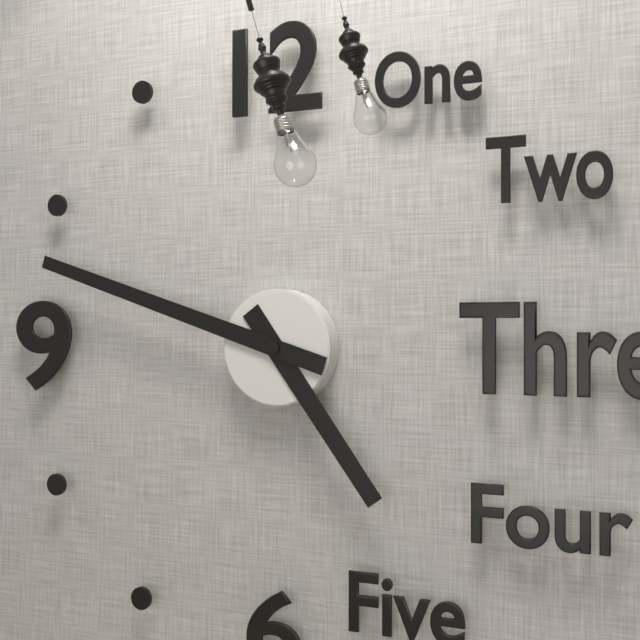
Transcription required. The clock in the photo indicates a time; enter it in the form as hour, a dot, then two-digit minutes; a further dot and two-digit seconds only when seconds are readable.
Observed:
4.48
